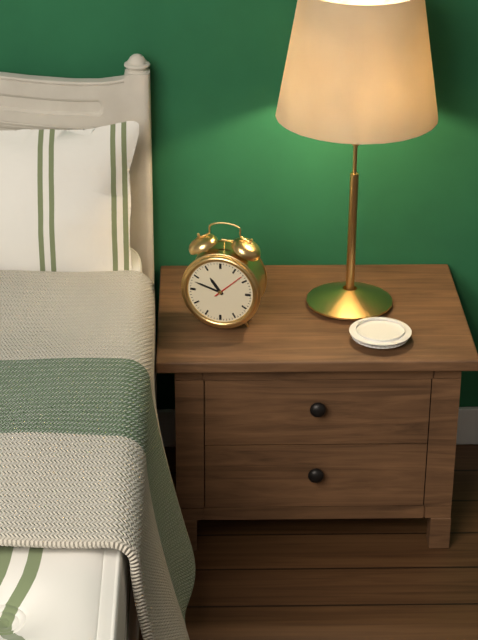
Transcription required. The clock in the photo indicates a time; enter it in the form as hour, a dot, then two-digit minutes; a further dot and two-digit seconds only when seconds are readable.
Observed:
10.48
